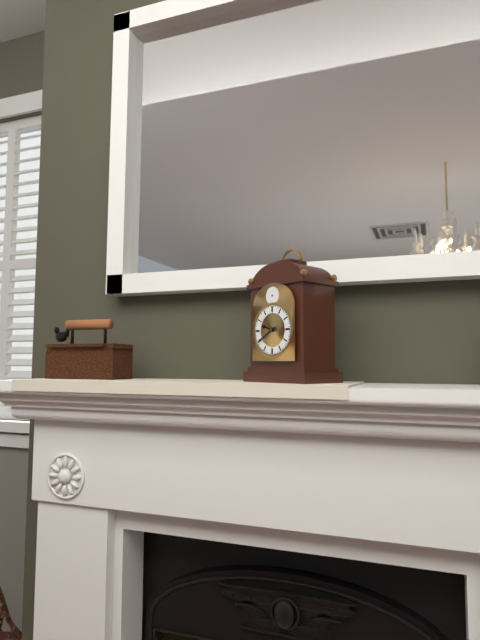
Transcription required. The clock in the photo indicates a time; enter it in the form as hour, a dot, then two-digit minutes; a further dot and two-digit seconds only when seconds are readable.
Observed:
9.40
